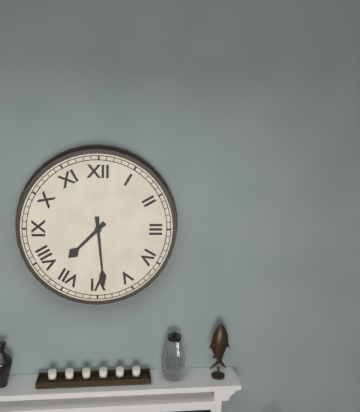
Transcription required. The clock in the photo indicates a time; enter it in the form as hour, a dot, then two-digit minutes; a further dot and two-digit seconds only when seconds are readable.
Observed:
7.29
